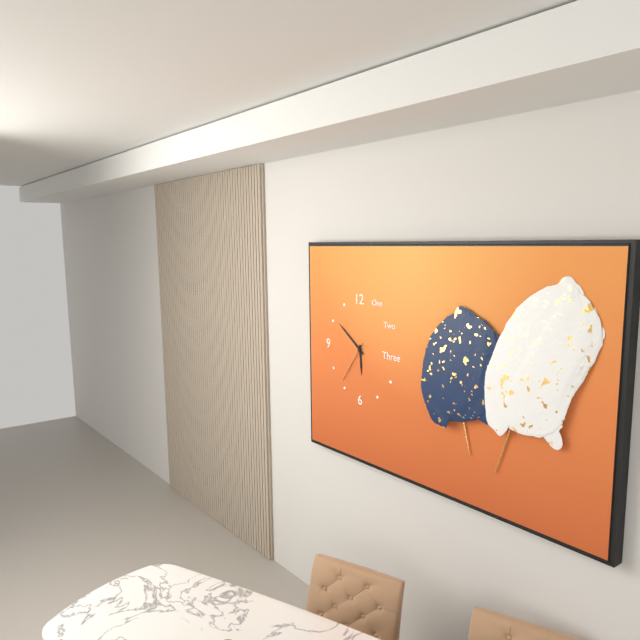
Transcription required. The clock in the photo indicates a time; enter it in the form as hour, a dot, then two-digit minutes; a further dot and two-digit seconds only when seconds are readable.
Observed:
5.51
